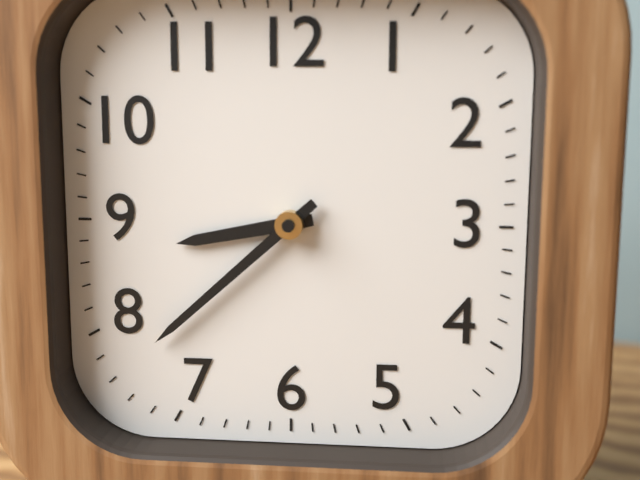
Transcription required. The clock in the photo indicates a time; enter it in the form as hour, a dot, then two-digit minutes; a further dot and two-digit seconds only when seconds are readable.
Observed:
8.38
